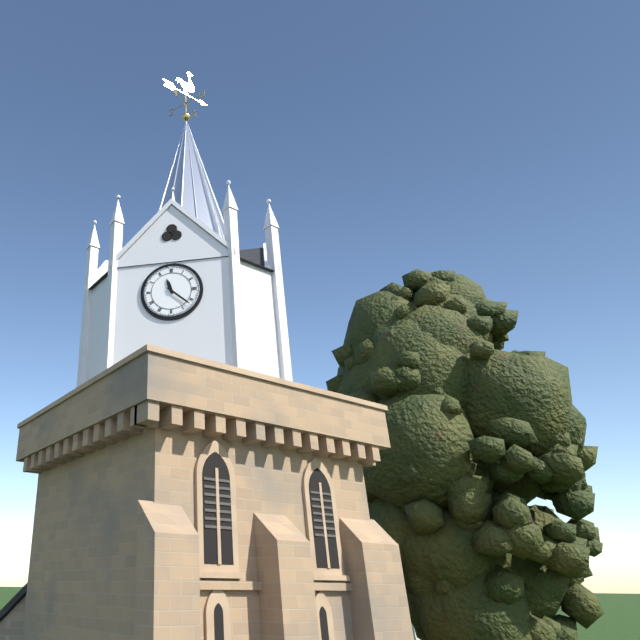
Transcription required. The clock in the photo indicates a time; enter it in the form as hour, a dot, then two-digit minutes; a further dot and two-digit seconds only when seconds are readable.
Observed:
11.22
